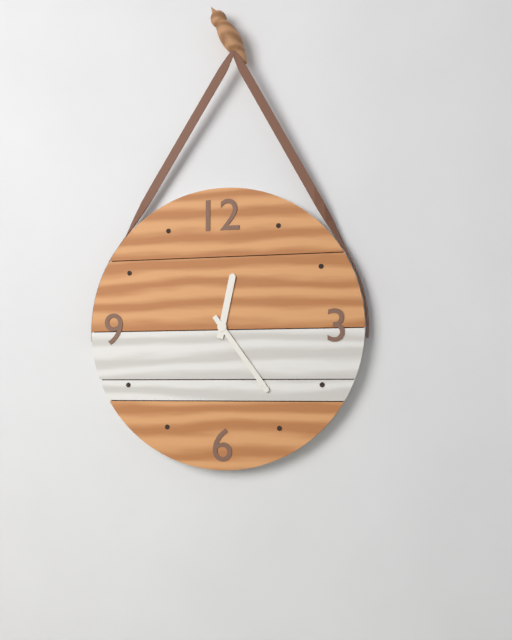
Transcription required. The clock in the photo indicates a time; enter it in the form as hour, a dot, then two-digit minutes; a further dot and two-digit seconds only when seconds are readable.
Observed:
12.24
